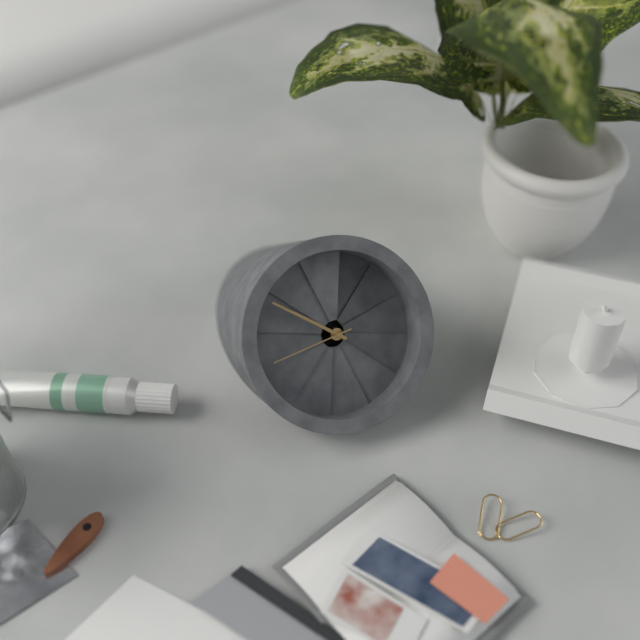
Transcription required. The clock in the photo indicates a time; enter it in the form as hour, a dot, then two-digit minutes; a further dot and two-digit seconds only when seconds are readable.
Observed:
9.49.41
